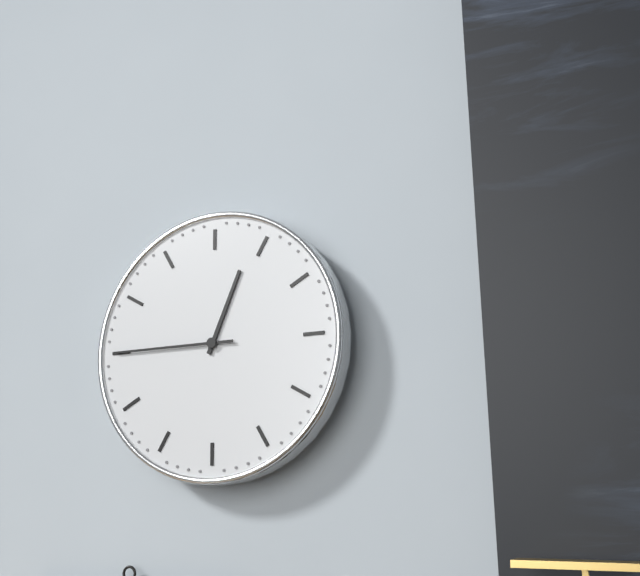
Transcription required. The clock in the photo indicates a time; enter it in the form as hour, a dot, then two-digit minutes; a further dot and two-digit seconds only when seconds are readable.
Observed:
12.45
